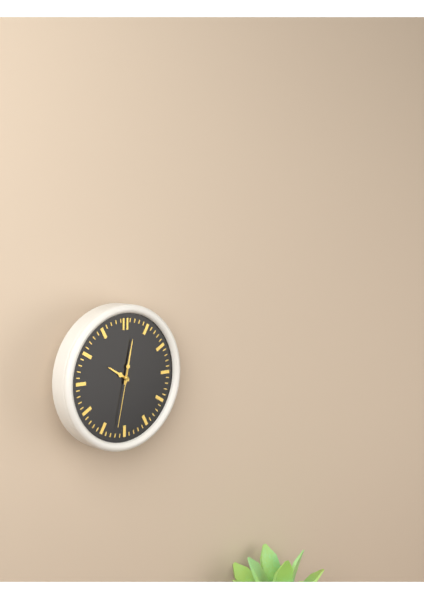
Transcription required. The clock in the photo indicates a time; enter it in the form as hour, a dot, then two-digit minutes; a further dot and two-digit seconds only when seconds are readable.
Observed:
10.02.32
